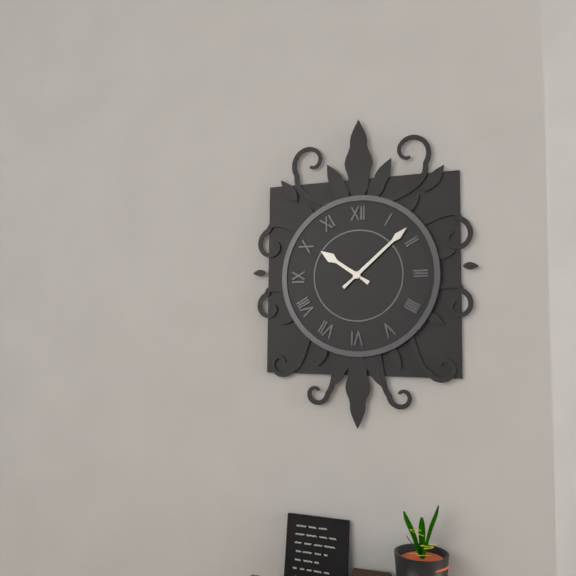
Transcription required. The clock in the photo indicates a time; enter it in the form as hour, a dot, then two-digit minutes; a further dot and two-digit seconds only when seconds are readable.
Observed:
10.08
